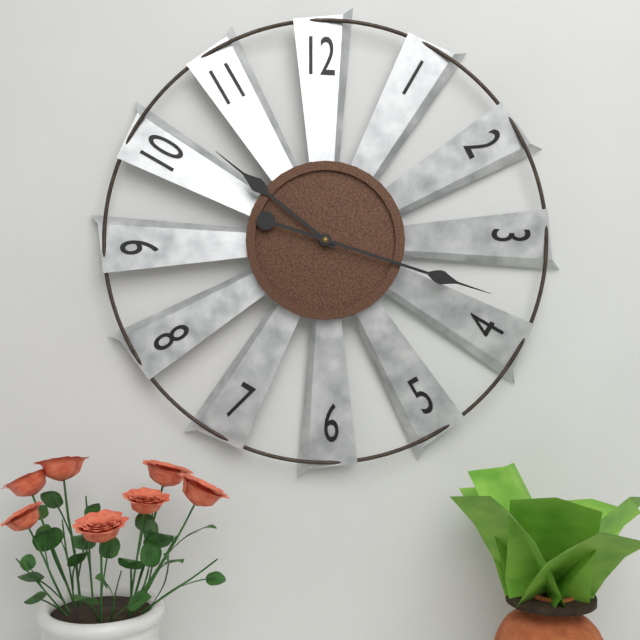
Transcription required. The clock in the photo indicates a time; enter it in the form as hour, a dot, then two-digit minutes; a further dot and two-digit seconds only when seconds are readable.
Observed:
10.18
